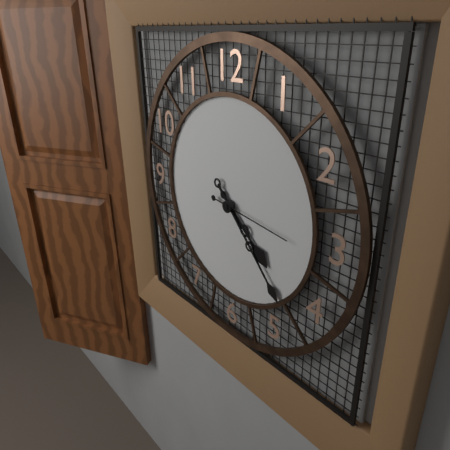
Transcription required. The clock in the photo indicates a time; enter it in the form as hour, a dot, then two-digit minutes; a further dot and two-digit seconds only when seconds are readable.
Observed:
4.23.16
